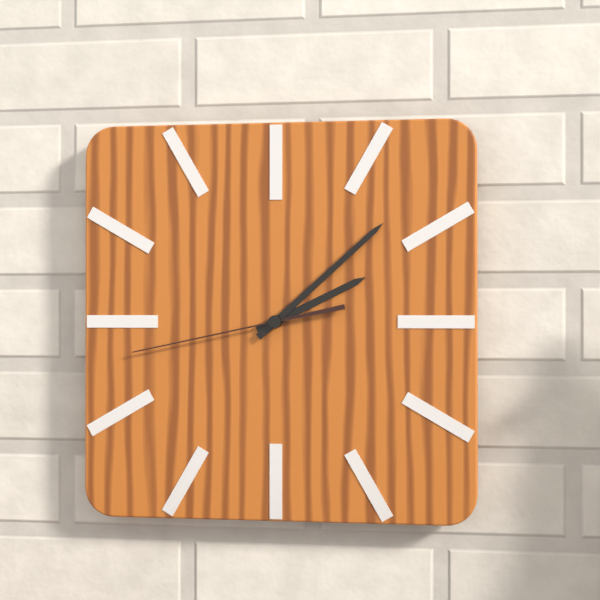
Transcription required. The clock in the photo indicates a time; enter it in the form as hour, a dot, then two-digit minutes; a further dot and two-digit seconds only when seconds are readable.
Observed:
2.08.43
